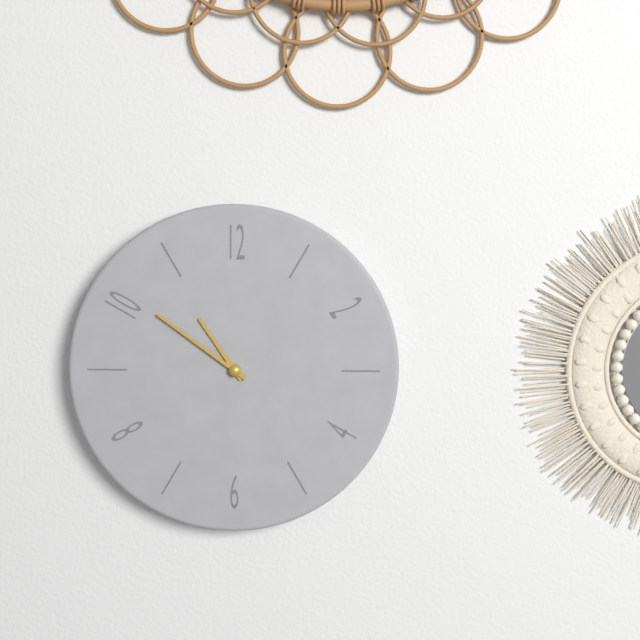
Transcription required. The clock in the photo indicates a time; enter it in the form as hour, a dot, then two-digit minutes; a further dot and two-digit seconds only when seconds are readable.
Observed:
10.51
